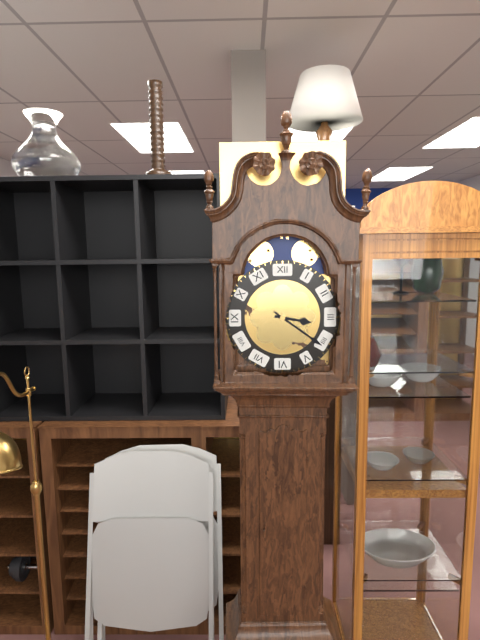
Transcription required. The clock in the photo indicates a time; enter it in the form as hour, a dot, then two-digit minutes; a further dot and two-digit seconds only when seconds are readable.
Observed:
3.21
